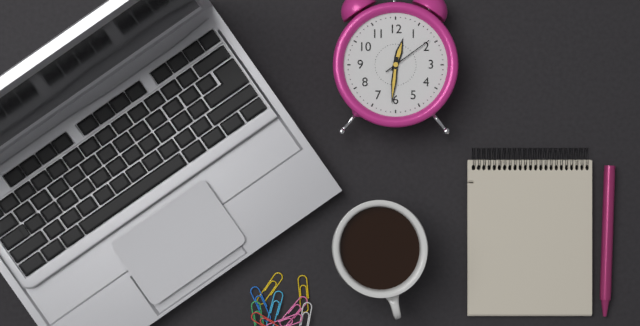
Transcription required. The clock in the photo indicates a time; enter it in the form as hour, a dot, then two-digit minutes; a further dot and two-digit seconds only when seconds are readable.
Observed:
12.31.09
